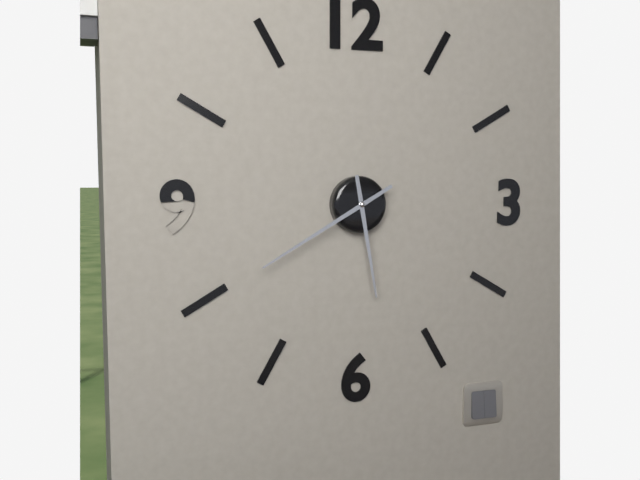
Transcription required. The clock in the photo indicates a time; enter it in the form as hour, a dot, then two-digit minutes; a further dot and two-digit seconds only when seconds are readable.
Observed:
5.40
